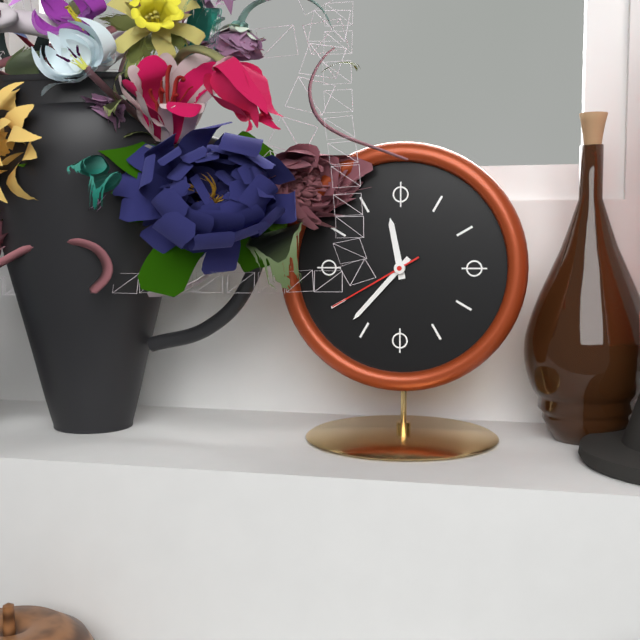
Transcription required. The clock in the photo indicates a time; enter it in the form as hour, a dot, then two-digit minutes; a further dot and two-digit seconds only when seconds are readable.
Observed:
11.37.40
